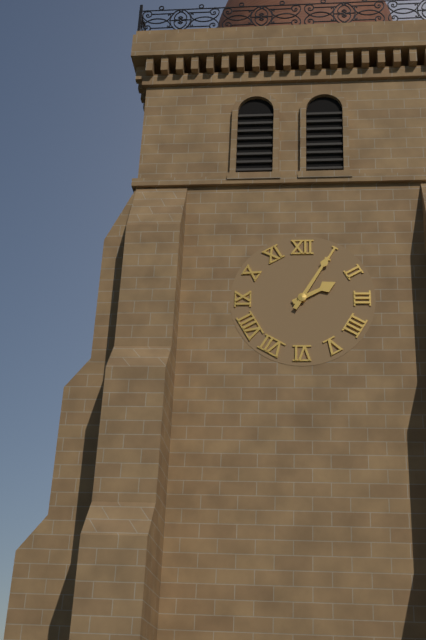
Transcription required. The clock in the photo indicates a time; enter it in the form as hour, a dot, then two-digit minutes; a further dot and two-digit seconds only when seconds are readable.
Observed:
2.05
